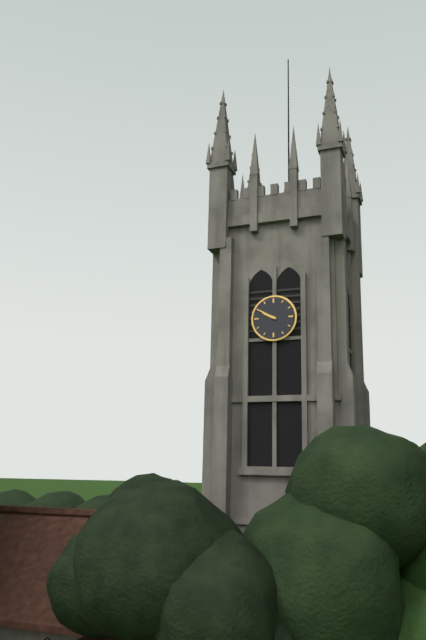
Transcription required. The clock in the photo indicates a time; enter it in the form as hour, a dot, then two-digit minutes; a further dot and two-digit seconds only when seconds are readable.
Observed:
9.50
